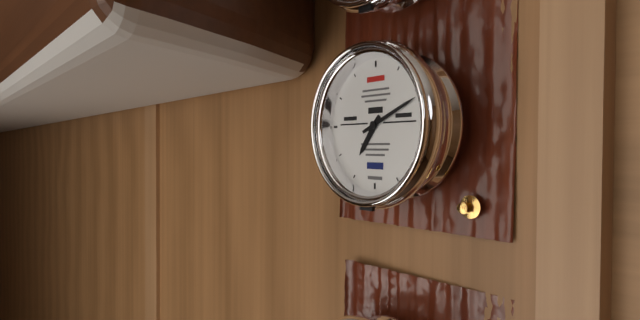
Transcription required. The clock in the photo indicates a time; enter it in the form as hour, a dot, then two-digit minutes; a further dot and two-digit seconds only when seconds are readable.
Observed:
7.11
